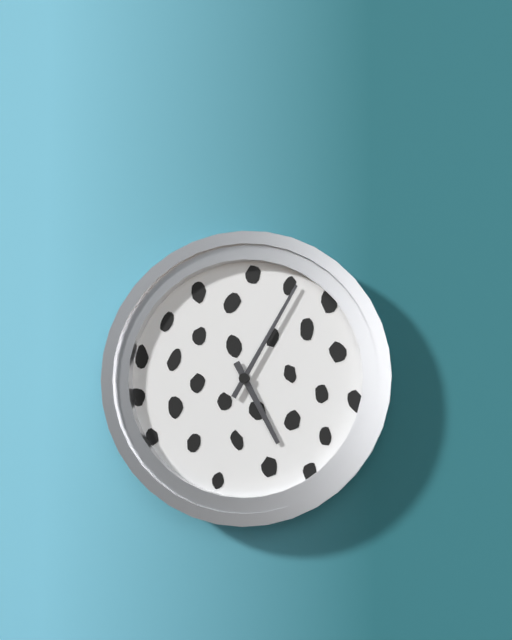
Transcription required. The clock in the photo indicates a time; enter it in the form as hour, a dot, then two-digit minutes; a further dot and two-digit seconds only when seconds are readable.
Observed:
5.05
